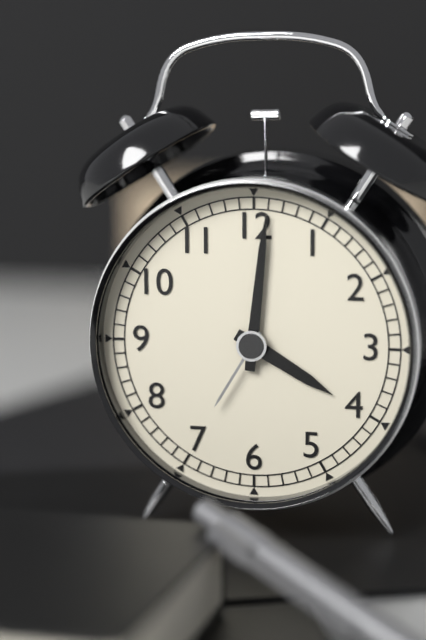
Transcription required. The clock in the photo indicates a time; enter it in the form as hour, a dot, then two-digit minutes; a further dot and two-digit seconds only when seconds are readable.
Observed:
4.01
